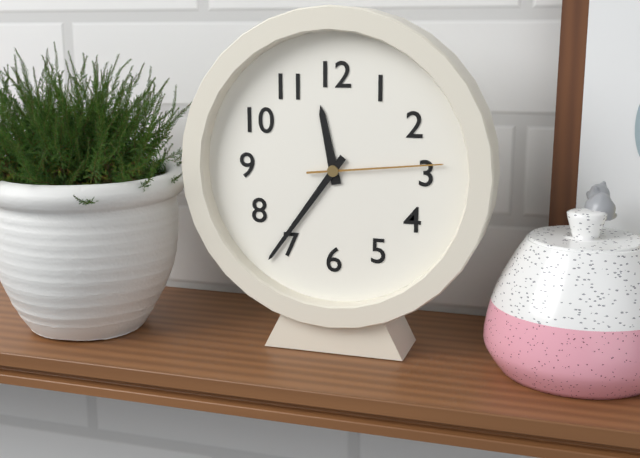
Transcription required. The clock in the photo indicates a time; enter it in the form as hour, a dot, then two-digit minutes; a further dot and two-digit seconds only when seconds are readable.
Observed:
11.36.14
